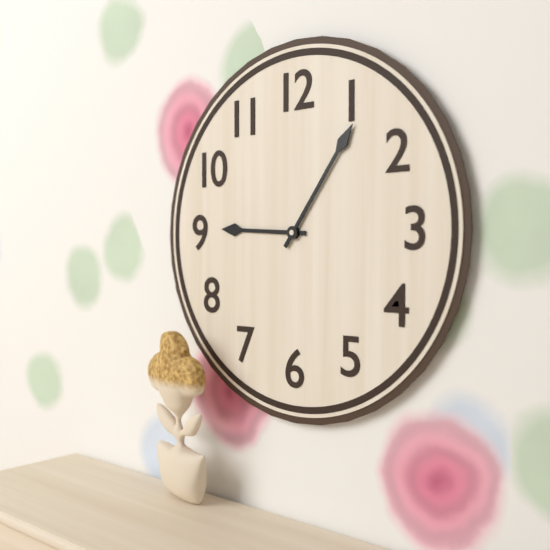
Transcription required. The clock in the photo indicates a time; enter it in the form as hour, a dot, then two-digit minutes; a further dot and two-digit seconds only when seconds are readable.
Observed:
9.06
